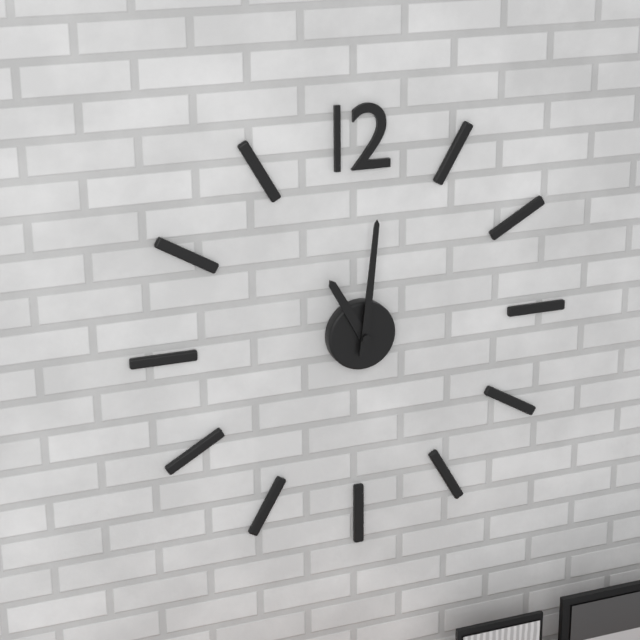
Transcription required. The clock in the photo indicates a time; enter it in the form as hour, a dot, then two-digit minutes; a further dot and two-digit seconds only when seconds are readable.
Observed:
11.01
